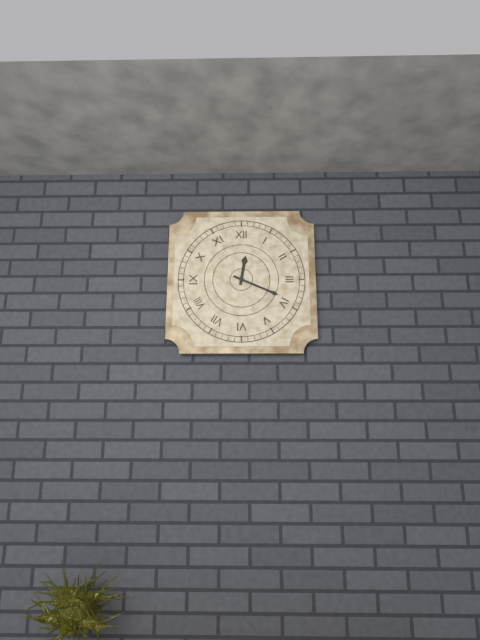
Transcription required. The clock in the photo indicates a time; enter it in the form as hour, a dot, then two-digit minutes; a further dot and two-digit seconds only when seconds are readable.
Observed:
12.19
